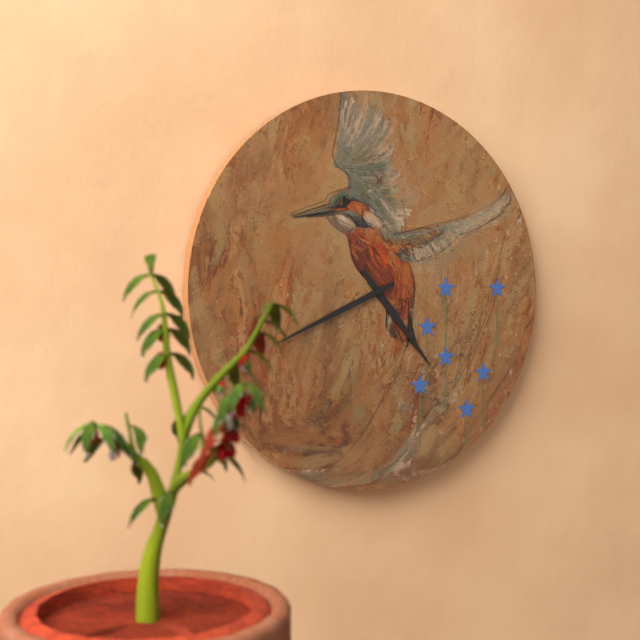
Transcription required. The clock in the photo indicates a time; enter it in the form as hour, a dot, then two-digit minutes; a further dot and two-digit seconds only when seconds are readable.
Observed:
4.41
